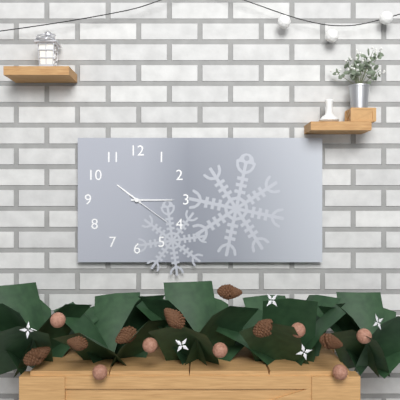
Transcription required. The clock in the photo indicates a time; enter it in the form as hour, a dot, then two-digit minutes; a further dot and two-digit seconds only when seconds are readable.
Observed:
10.15
